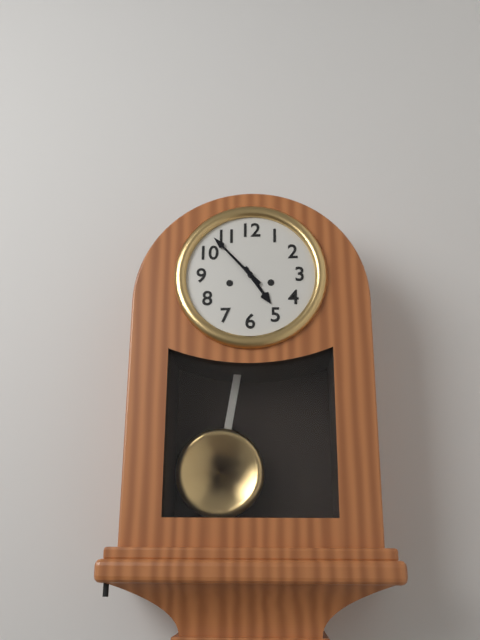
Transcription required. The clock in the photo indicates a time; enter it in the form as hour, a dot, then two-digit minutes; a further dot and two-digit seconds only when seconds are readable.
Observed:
4.53
